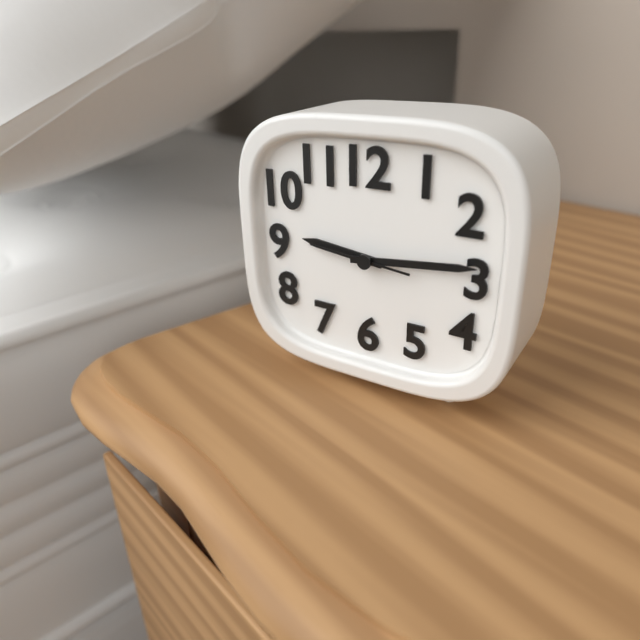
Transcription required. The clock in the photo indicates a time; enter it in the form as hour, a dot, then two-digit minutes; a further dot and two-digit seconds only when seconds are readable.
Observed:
9.14.46
